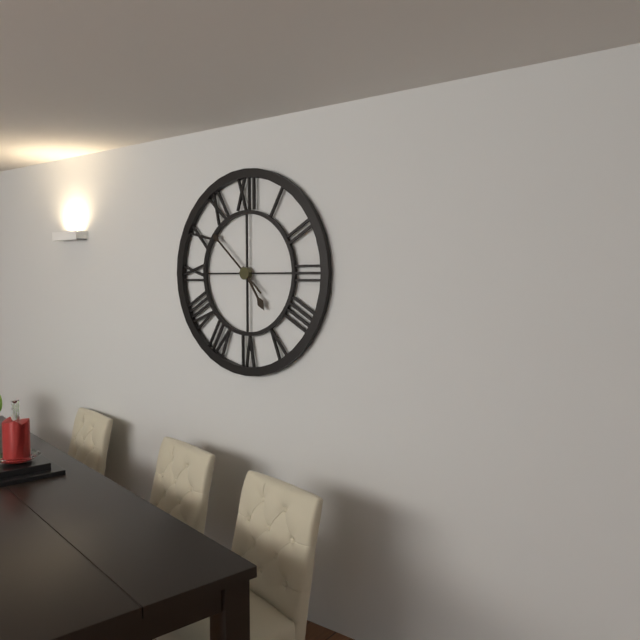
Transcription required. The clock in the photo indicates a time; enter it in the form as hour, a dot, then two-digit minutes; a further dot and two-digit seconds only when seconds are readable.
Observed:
4.52
